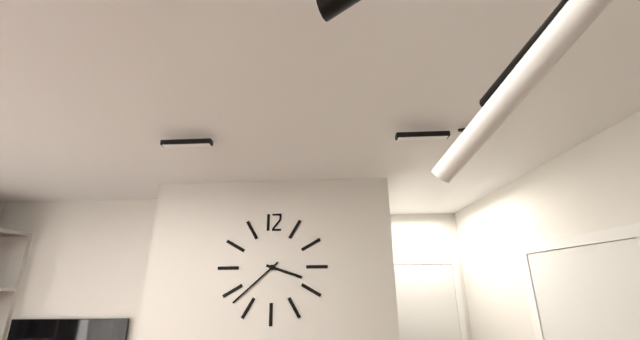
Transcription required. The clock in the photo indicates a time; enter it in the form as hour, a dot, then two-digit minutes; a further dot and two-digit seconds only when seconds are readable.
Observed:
3.38
